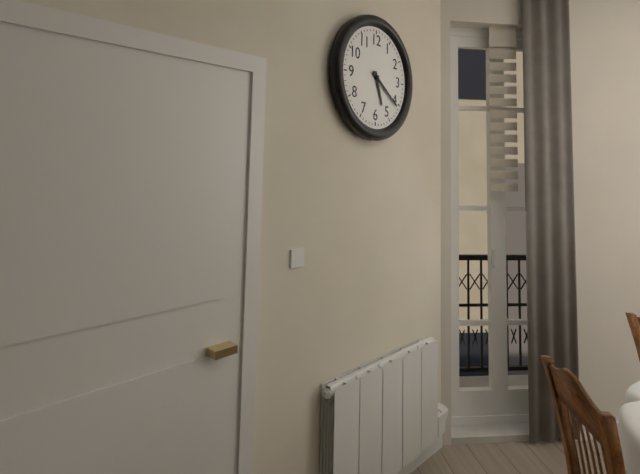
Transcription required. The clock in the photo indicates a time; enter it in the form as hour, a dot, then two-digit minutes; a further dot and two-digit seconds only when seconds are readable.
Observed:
5.21
